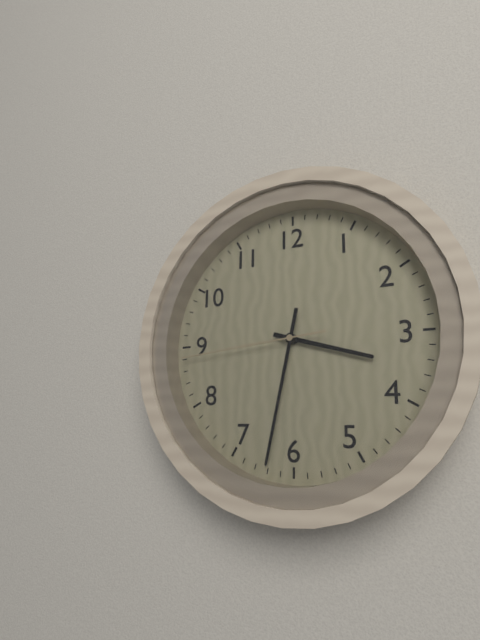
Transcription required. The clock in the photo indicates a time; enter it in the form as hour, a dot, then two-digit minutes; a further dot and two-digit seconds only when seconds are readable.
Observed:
3.32.44
